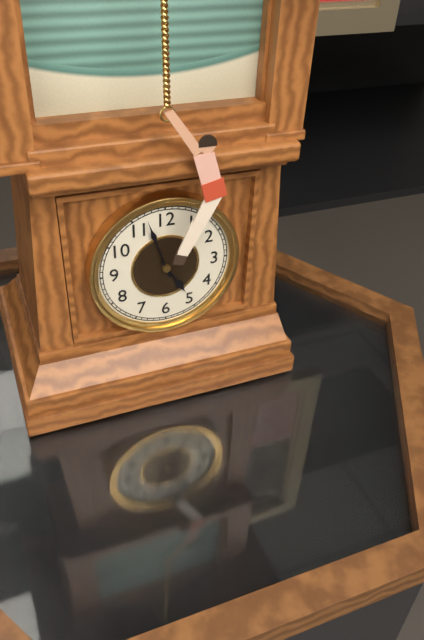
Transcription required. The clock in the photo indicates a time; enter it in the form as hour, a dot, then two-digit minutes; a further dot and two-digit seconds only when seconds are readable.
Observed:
4.57
